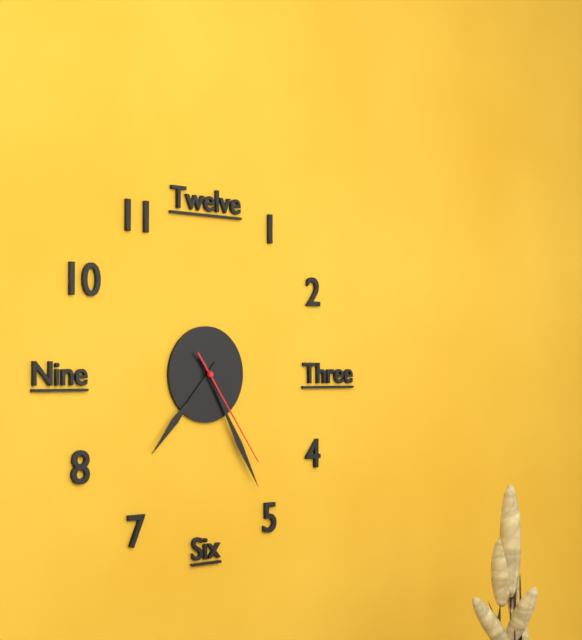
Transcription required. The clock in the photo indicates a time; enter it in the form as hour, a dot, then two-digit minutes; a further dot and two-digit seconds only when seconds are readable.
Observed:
7.25.24
